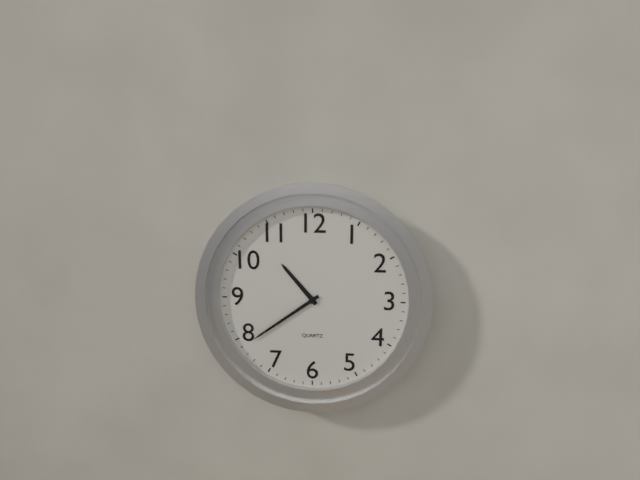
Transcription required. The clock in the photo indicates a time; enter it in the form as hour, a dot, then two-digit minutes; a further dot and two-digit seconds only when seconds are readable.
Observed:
10.39
